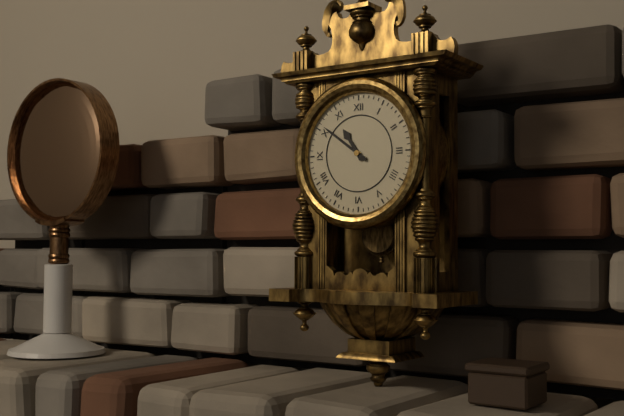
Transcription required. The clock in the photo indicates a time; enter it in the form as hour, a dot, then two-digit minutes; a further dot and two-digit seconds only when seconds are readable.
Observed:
10.51
